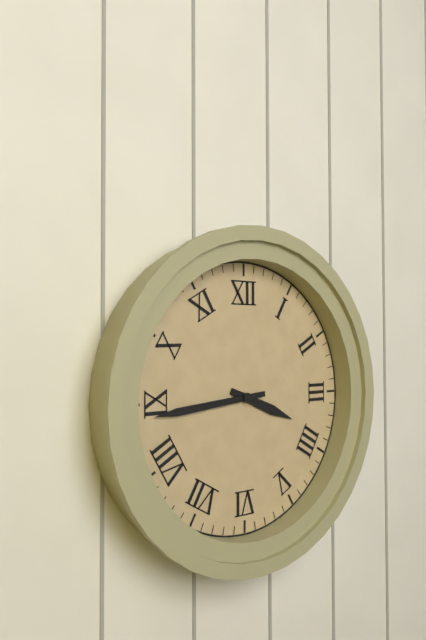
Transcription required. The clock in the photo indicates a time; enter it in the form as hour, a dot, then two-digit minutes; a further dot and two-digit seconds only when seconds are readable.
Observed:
3.44
